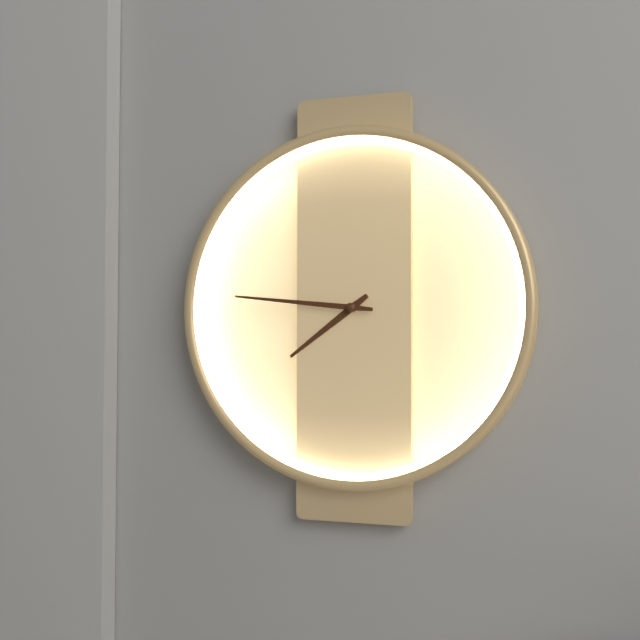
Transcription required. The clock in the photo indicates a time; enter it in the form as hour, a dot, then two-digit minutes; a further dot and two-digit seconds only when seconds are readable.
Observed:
7.46
